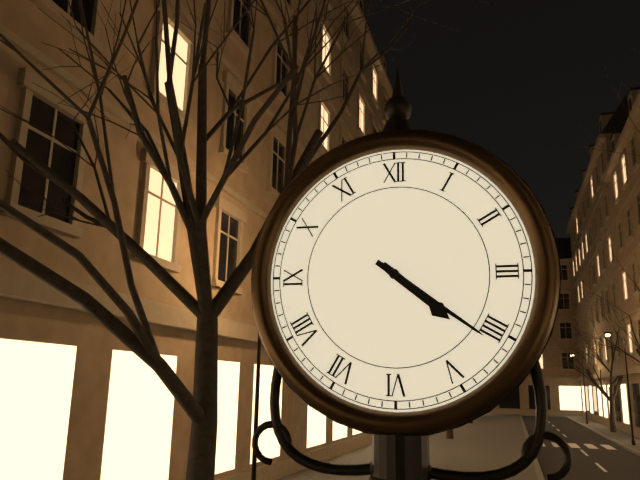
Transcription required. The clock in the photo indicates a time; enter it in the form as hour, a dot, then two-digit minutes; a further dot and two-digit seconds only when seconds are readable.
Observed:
4.21
